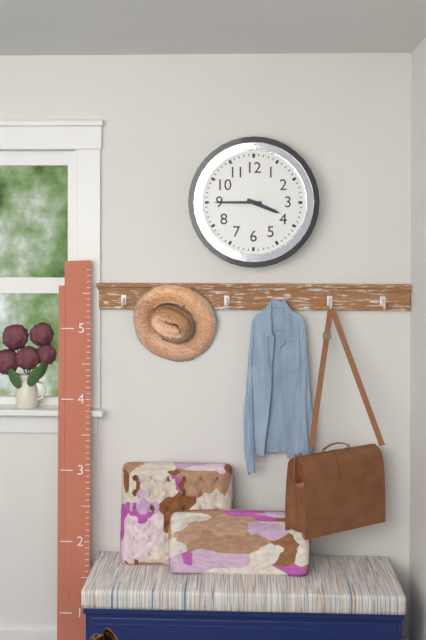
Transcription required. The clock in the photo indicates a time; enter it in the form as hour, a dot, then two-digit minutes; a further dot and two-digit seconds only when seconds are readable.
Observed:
3.45
